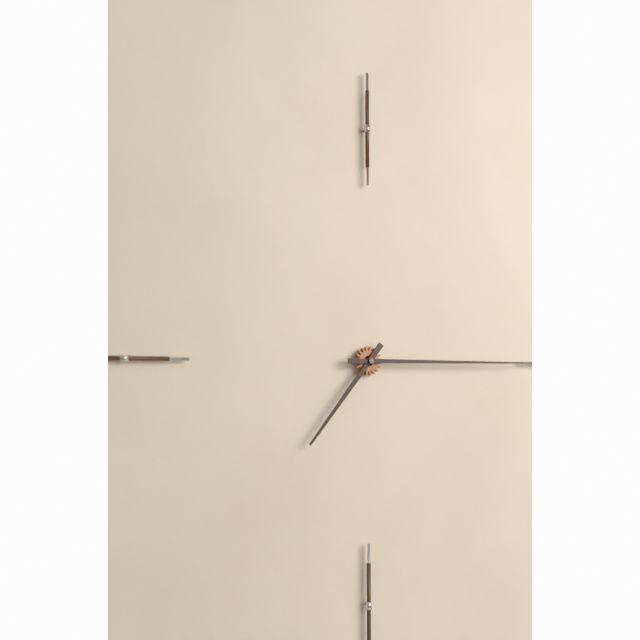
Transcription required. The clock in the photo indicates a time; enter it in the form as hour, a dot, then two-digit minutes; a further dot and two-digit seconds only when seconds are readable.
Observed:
7.15
